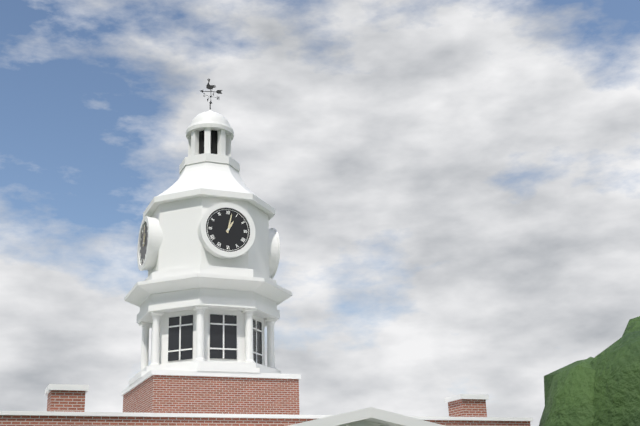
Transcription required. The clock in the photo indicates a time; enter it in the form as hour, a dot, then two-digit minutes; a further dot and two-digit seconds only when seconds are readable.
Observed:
1.02
